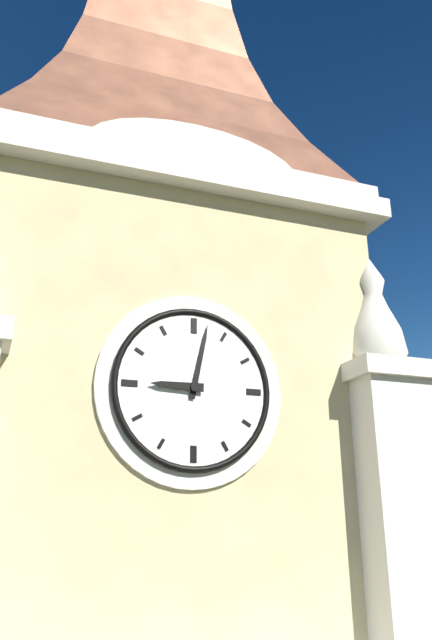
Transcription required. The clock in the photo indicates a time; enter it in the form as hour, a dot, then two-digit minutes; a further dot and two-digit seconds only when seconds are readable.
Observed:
9.02
